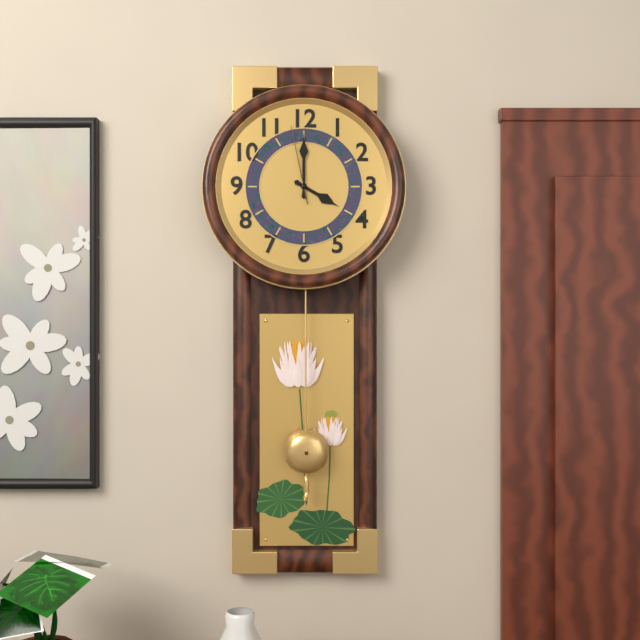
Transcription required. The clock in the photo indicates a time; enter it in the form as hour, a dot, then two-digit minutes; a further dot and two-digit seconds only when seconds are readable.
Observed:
4.00.58
